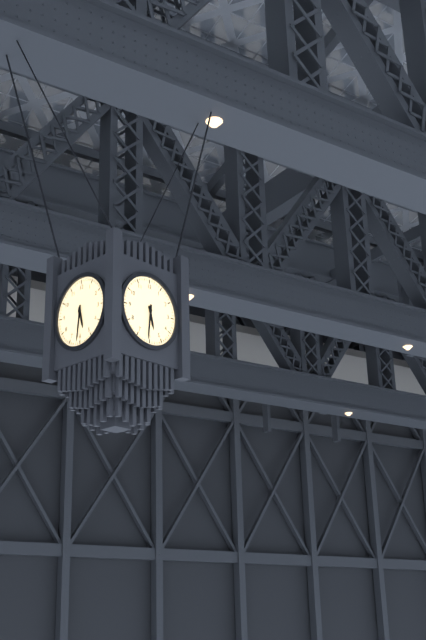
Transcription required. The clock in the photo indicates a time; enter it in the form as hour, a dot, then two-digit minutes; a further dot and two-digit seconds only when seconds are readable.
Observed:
5.31
